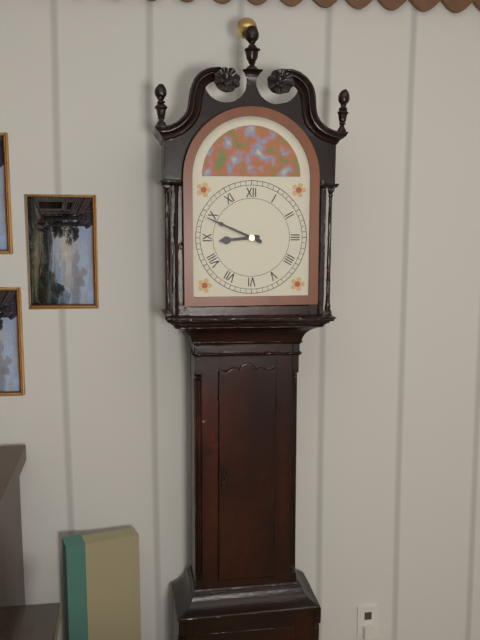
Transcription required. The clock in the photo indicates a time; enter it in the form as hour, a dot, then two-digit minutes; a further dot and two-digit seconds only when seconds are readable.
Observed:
8.49
